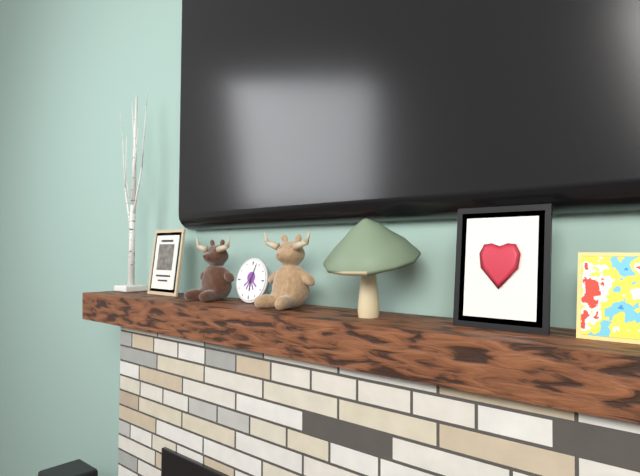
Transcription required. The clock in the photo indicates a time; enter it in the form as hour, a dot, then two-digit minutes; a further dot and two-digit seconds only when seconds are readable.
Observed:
6.03
